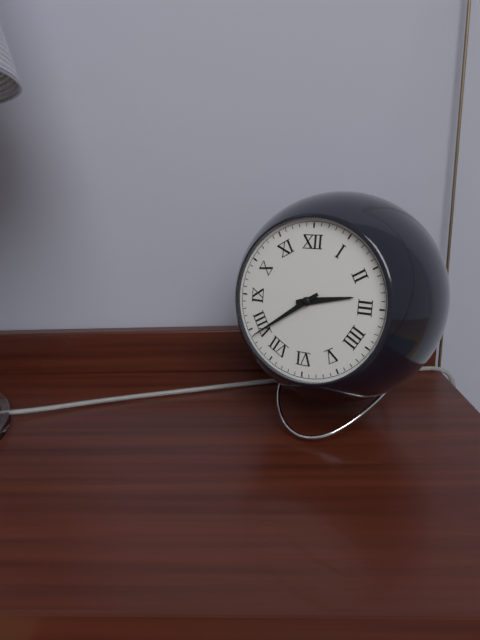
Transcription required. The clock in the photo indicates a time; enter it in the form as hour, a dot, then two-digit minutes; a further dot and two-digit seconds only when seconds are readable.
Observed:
2.39
